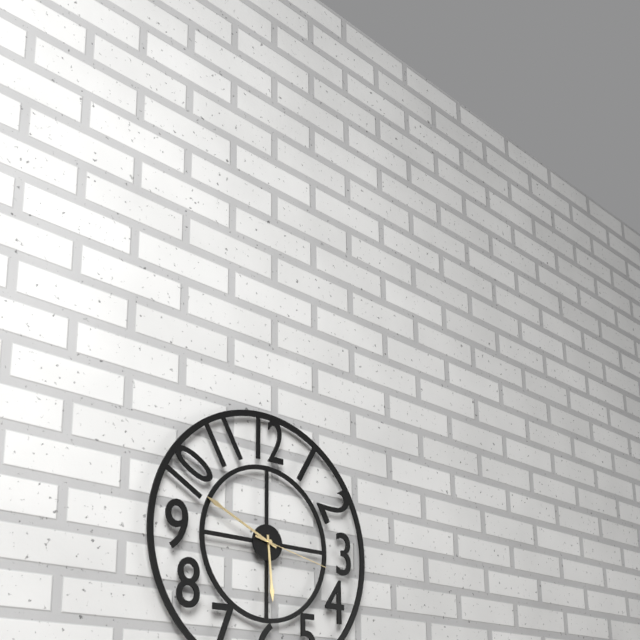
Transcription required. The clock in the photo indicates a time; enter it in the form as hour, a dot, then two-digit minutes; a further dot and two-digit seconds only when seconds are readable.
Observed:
5.49.17
